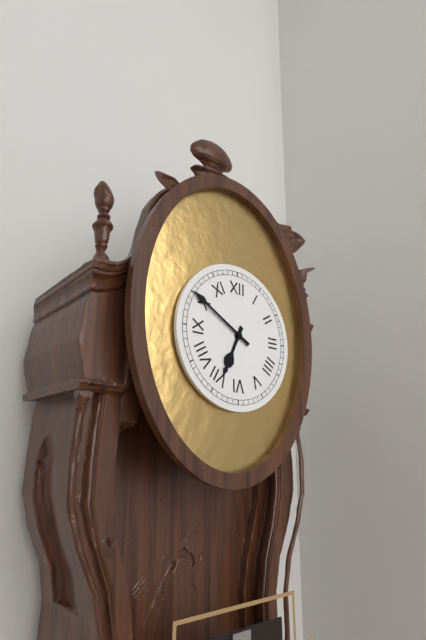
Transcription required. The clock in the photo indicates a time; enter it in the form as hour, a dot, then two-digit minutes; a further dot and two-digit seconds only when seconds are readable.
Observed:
6.50
